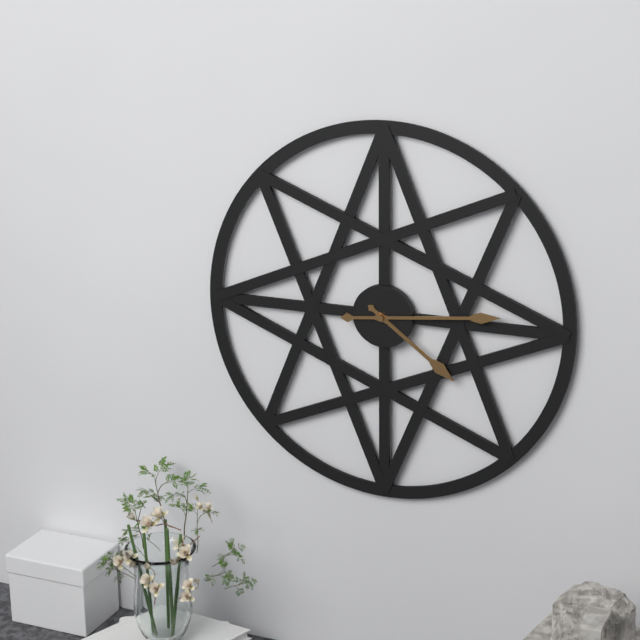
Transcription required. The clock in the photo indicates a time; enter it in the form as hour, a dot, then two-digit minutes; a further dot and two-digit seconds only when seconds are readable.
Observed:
4.14
